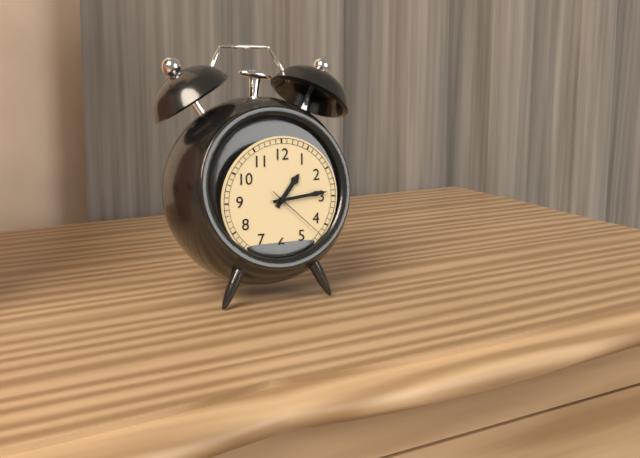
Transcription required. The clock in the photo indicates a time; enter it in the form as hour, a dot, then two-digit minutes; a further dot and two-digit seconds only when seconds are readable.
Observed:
1.14.22
